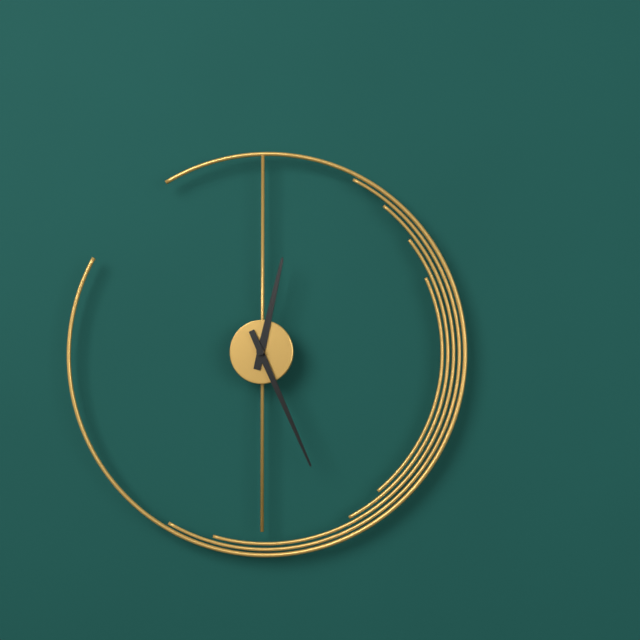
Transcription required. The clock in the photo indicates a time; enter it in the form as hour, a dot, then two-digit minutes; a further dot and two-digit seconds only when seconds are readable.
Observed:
12.26
